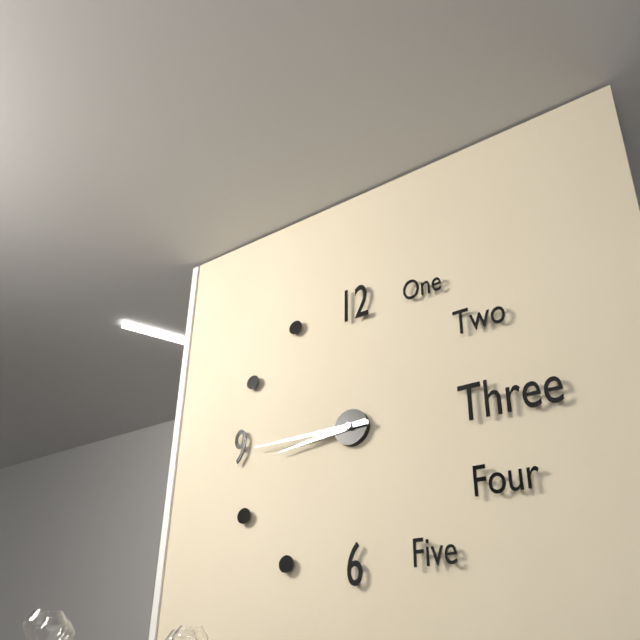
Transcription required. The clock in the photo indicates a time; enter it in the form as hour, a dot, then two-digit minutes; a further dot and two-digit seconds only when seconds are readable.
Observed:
8.45
